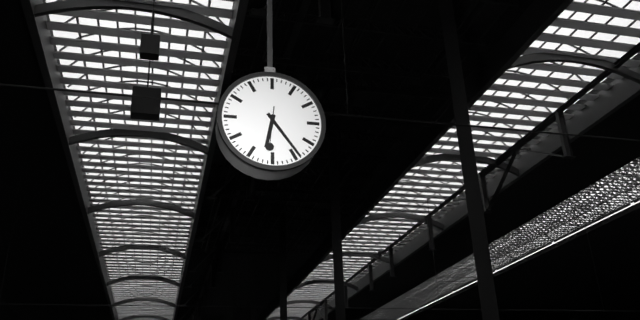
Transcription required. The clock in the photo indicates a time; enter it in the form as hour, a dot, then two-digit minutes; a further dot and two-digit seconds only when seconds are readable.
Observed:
6.24
